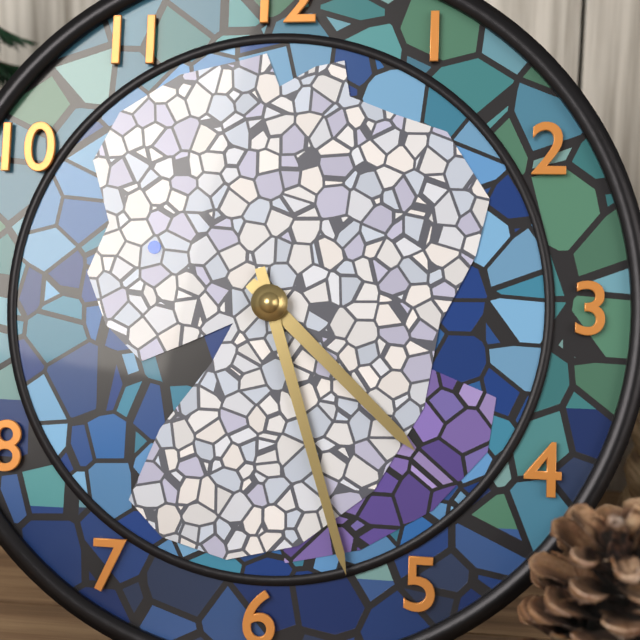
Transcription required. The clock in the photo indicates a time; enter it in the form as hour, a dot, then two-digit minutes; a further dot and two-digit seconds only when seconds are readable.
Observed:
4.27
